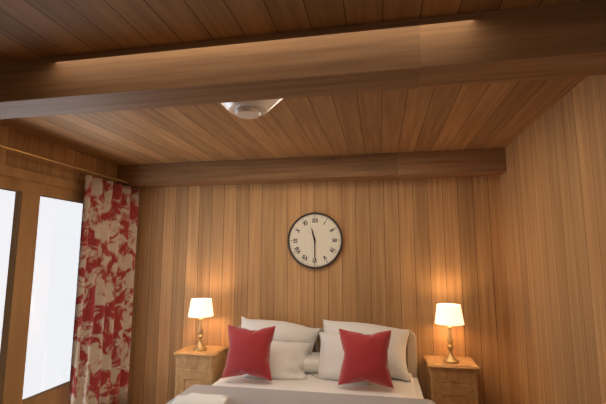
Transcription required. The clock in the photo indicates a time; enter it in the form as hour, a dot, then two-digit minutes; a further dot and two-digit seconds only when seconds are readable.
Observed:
11.30
